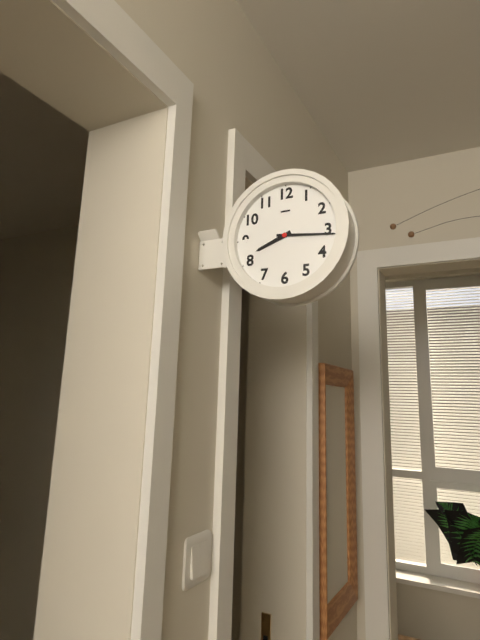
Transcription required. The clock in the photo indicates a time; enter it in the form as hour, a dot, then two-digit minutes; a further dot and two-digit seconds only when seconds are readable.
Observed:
8.16
